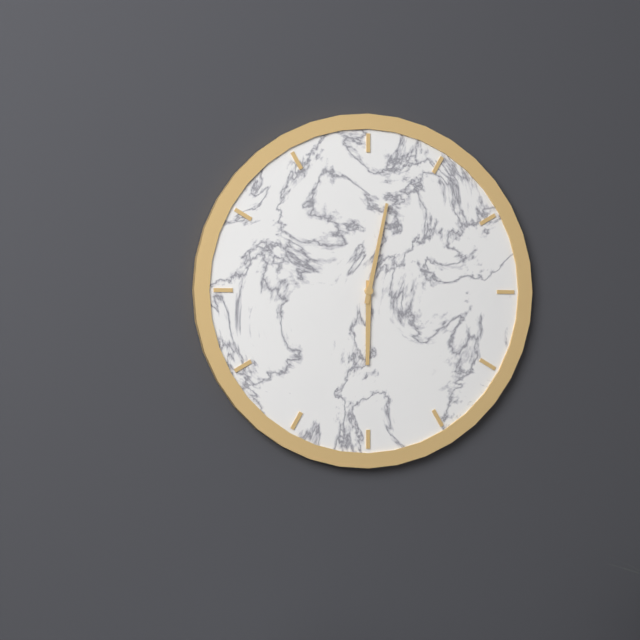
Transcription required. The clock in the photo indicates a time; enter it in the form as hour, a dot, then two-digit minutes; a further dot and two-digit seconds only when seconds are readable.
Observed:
6.02
